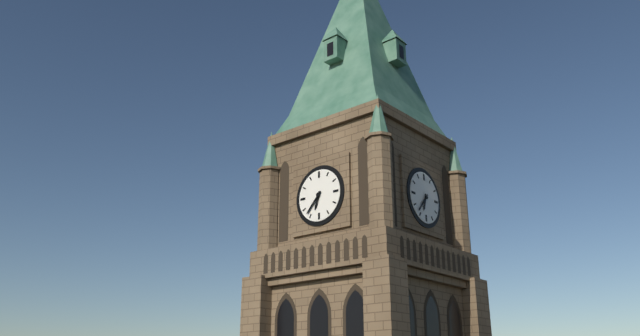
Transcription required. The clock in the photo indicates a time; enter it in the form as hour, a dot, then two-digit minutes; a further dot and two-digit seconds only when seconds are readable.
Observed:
6.37
